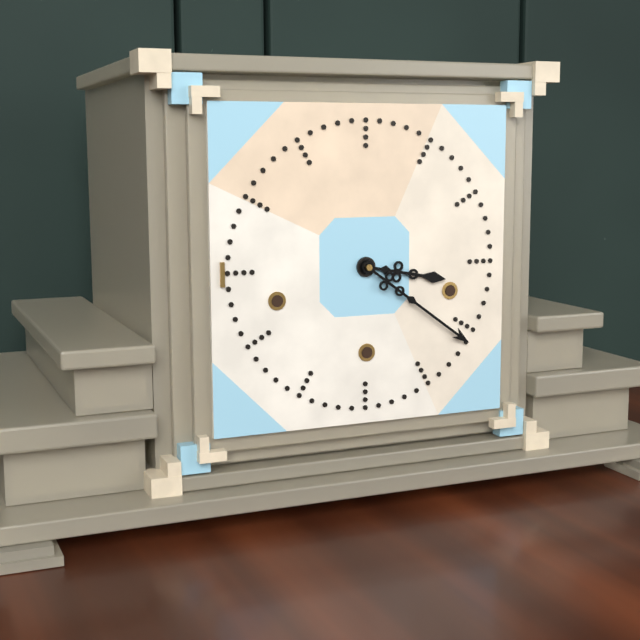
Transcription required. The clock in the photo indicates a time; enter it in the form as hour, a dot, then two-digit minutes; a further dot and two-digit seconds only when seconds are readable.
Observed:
3.21
